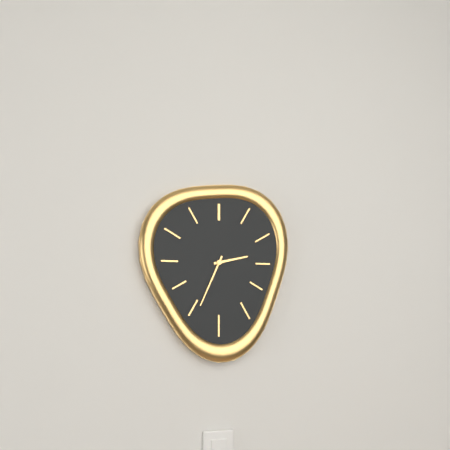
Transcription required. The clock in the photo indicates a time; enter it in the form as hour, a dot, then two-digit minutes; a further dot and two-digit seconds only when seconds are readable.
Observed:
2.34
